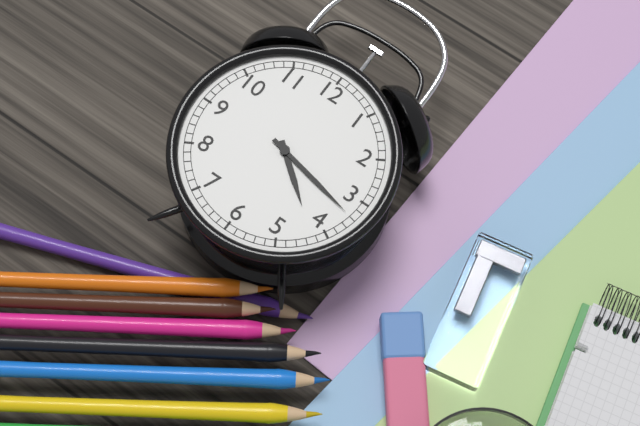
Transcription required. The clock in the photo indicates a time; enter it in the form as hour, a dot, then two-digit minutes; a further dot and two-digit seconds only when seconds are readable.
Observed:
4.17
